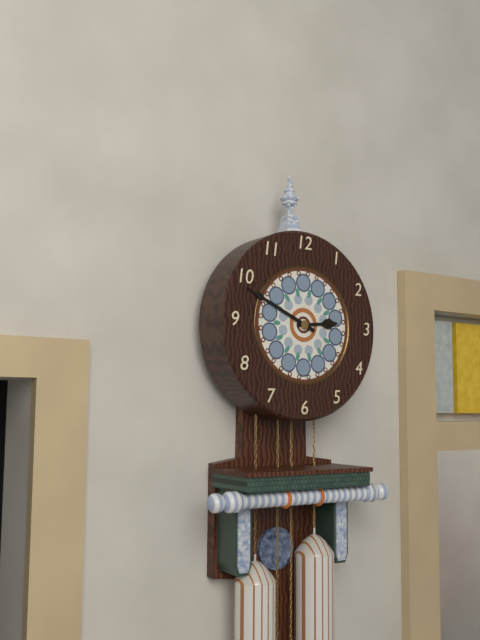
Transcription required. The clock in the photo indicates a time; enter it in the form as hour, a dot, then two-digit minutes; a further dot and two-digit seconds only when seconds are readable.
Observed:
2.49
